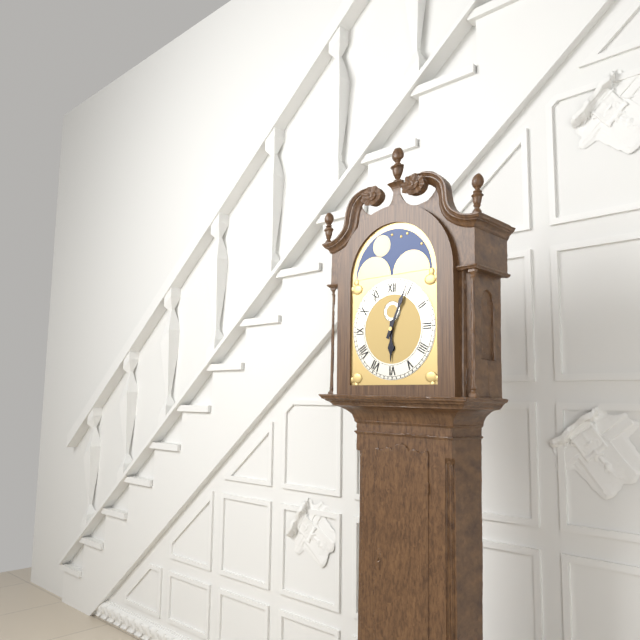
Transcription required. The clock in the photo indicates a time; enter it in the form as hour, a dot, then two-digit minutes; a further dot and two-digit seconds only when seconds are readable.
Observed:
6.04
